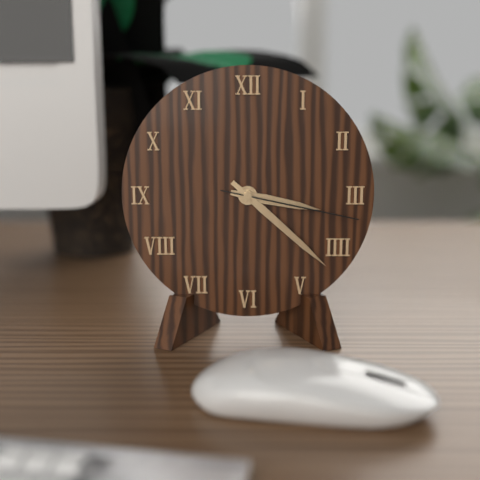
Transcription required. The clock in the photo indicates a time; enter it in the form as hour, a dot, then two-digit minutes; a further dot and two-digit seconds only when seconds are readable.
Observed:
3.22.17
